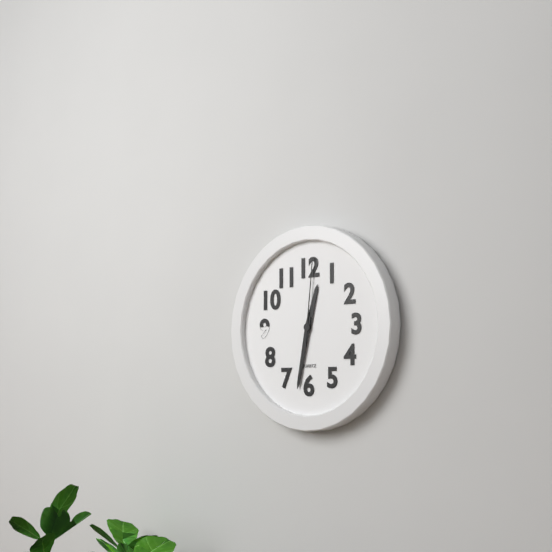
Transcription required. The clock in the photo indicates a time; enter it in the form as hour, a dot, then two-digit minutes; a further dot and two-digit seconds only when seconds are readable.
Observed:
12.32.01
